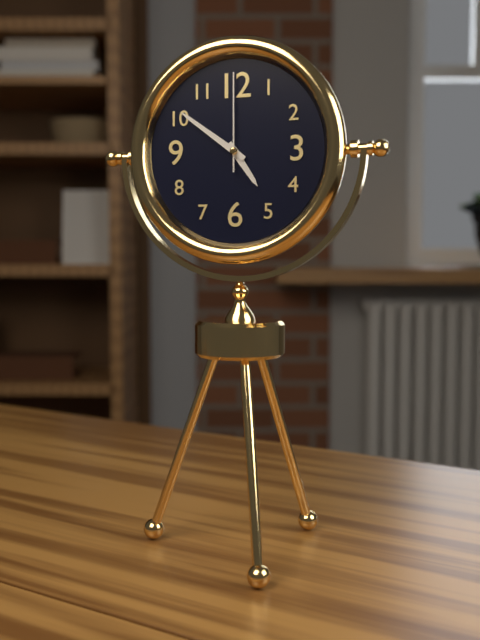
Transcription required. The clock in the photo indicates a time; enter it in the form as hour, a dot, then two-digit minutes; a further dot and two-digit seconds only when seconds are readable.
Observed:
4.51.00
